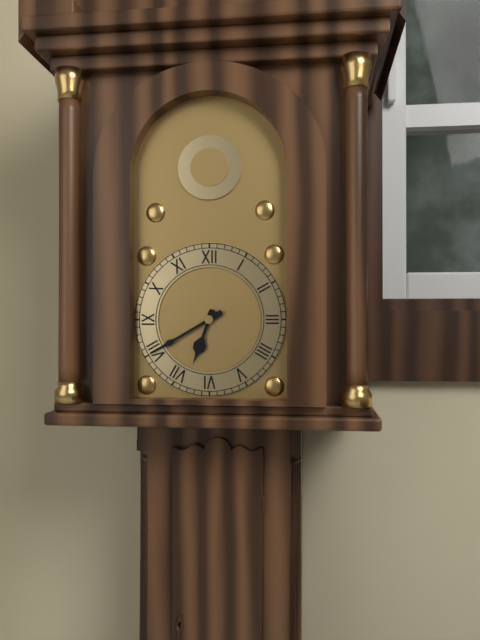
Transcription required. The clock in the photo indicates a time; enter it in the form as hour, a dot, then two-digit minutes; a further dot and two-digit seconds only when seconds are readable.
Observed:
6.40
